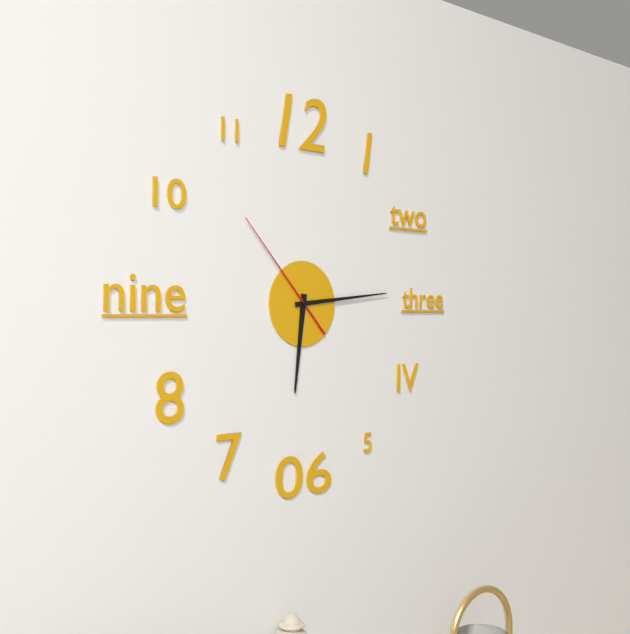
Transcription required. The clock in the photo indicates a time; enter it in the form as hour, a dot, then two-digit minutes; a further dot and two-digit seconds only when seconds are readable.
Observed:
6.14.53
